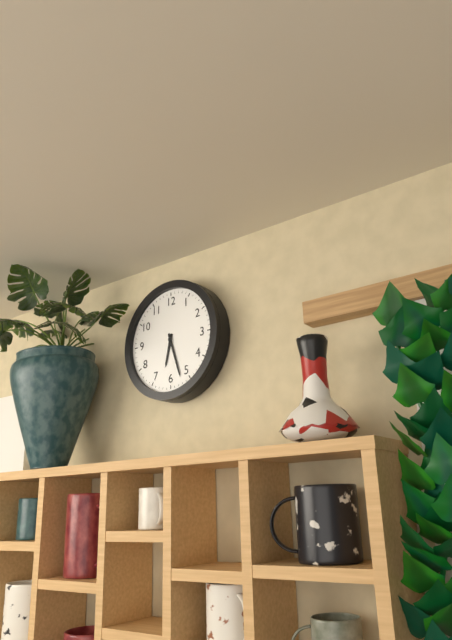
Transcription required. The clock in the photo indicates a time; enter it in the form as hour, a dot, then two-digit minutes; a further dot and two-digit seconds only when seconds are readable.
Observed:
6.27
